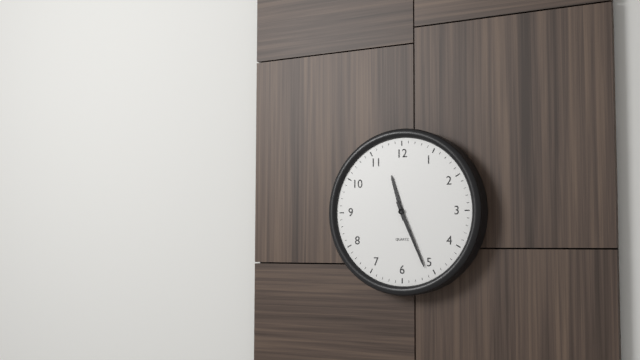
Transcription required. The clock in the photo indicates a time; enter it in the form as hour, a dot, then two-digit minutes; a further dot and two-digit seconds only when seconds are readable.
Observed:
11.26
